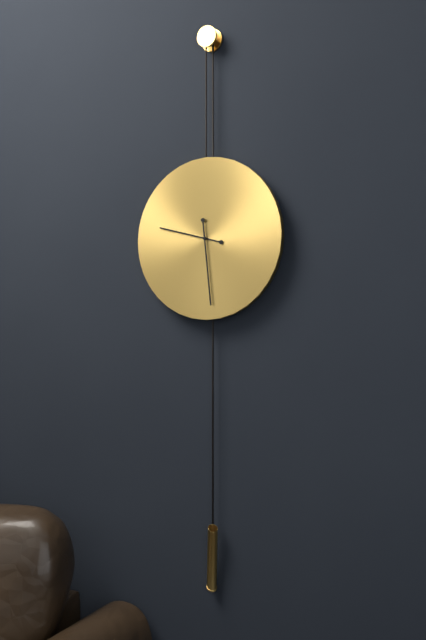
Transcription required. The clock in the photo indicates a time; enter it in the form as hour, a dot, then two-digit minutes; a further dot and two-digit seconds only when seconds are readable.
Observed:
9.29
